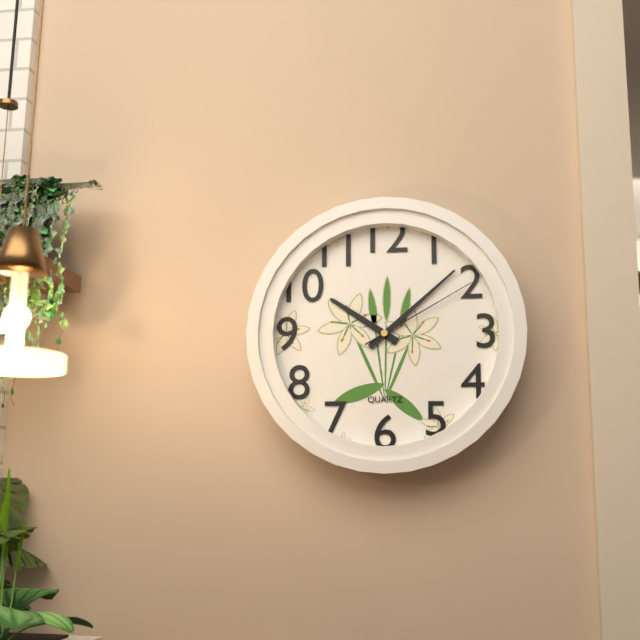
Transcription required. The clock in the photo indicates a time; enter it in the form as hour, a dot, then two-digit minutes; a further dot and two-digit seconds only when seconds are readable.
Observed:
10.08.10
